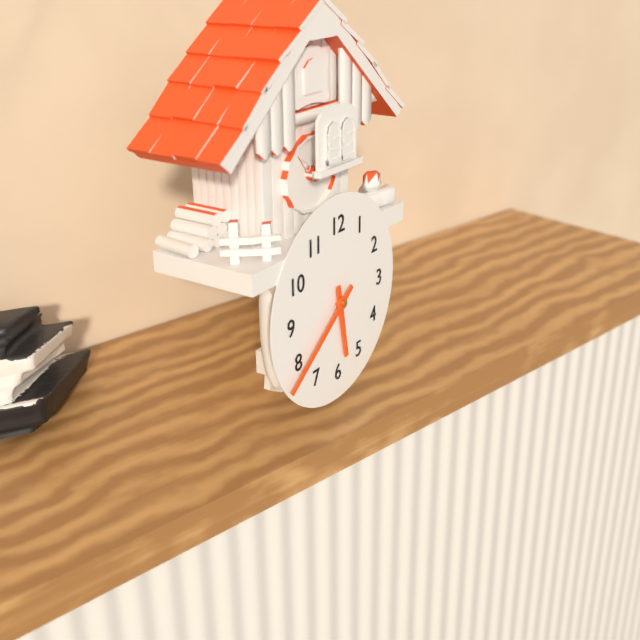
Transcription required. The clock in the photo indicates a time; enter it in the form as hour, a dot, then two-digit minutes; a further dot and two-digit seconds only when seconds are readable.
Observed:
5.39
